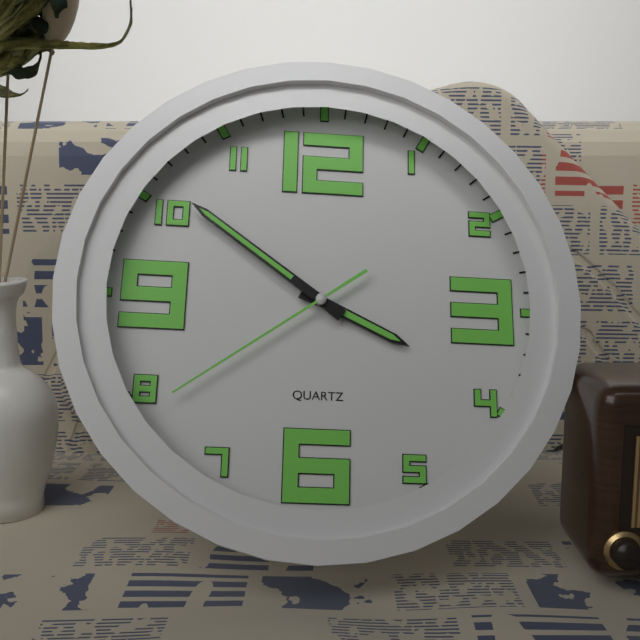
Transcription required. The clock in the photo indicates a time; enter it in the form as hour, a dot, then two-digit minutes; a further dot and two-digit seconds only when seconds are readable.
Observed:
3.51.39
